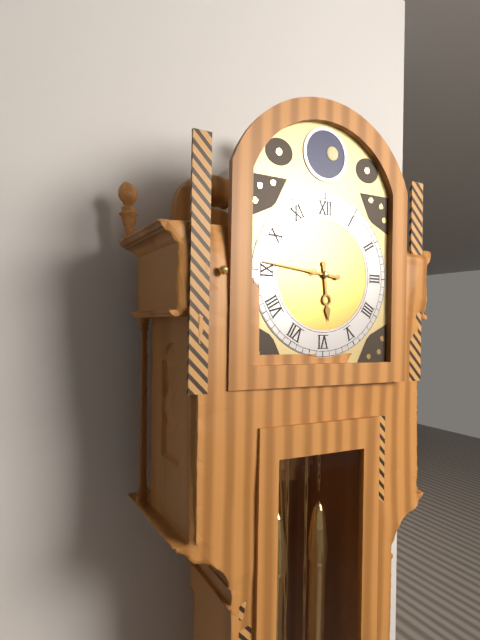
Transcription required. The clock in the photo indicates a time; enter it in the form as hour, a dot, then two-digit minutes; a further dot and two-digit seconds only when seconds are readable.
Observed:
5.46
